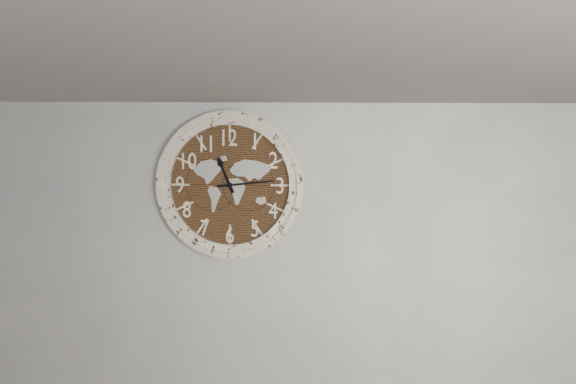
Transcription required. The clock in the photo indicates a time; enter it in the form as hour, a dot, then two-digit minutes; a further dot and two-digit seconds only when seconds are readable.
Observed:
11.14
